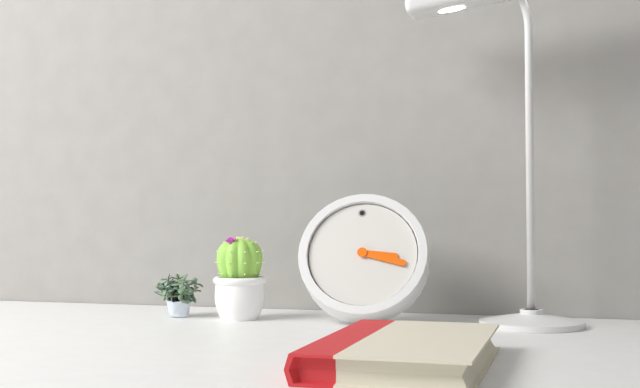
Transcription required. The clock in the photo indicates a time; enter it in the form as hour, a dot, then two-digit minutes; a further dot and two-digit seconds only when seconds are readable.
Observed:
3.18
